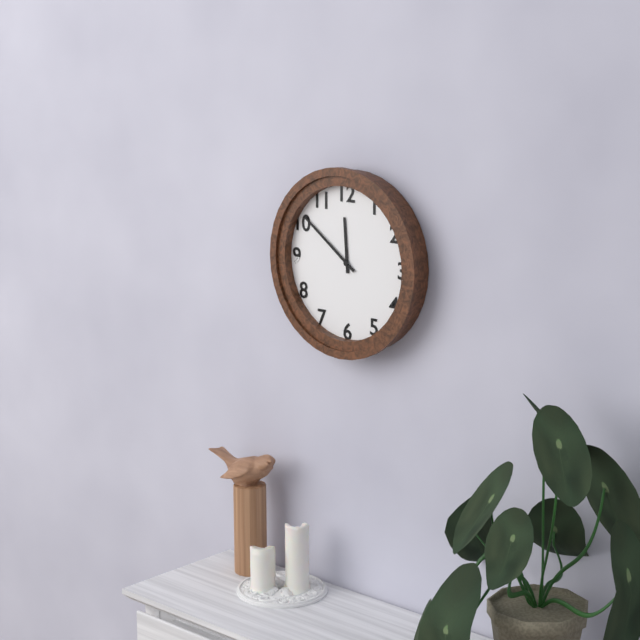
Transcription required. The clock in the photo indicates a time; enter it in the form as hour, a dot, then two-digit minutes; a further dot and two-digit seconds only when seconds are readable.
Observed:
11.51
